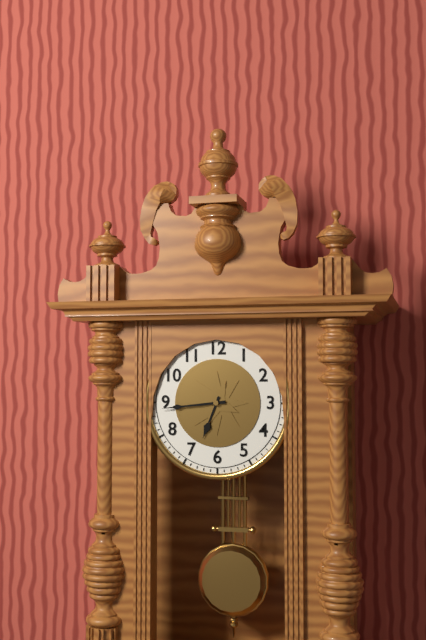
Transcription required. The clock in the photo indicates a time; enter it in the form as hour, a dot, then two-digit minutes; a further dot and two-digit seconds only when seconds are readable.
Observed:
6.44
